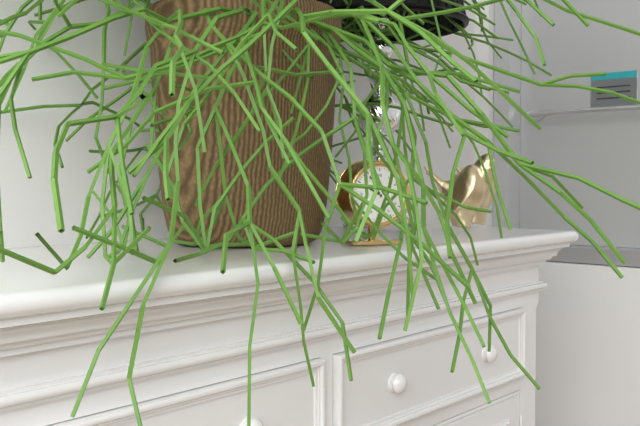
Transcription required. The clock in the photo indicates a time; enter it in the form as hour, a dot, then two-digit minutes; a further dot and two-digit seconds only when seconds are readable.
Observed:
9.55
